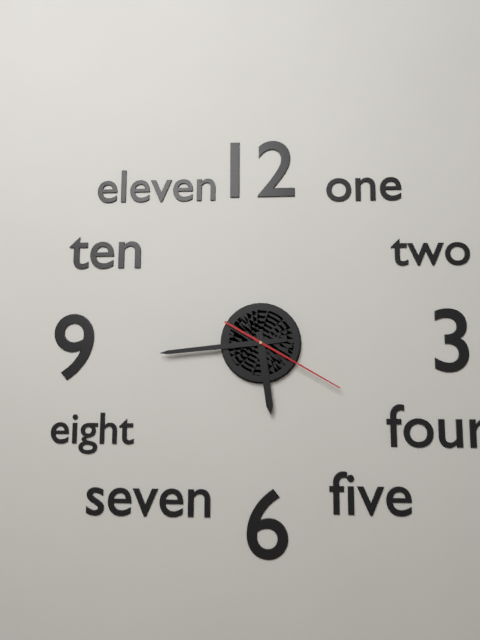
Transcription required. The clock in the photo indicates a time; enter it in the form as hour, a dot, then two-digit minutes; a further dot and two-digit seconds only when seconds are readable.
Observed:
5.44.20
